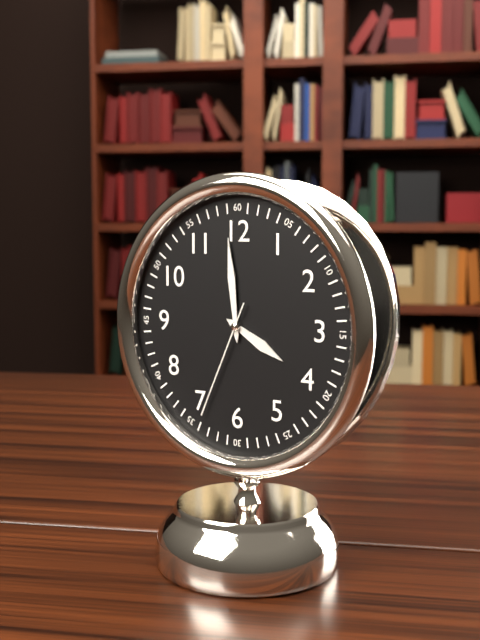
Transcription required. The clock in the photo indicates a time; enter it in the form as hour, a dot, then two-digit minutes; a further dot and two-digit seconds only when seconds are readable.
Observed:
3.59.34
